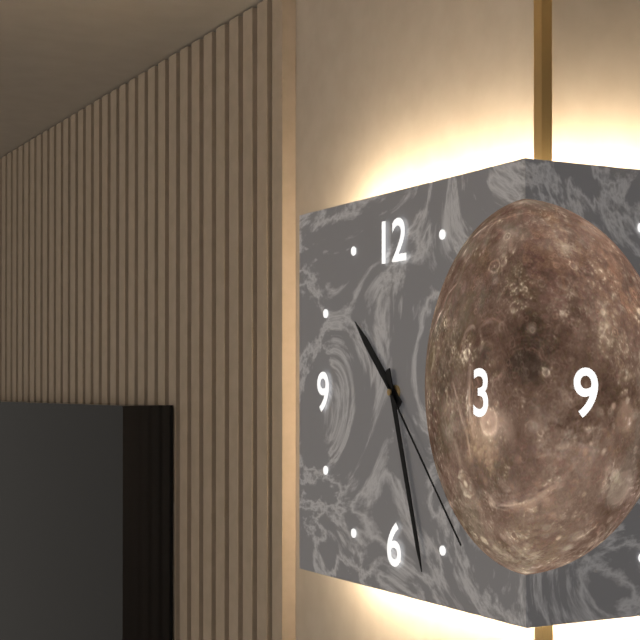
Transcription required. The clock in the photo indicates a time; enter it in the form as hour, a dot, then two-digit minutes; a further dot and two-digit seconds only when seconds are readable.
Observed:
10.27.23
